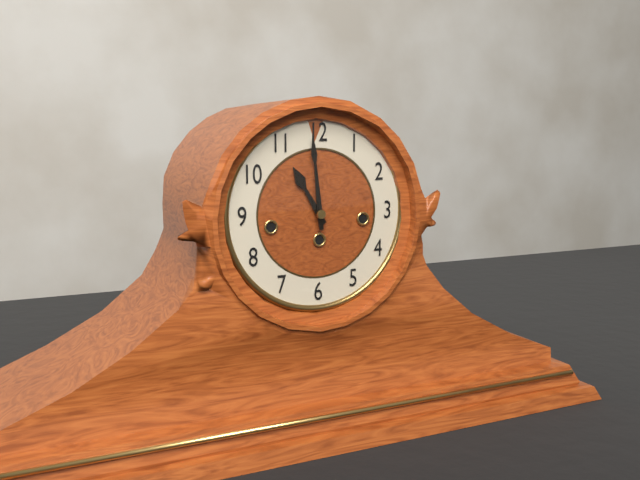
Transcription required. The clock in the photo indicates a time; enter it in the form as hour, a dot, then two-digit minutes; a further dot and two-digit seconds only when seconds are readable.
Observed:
10.59
